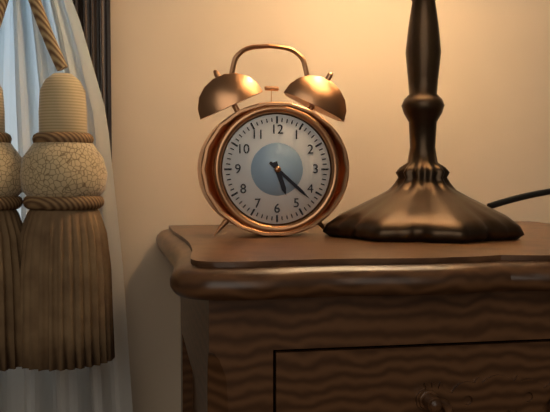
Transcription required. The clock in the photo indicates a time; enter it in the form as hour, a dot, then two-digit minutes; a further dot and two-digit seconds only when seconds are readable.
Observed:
5.22
